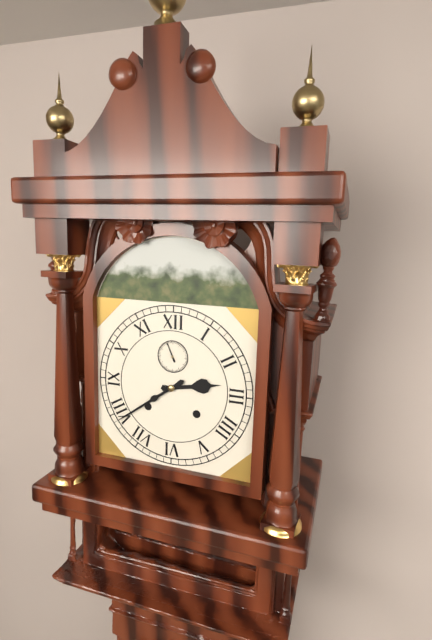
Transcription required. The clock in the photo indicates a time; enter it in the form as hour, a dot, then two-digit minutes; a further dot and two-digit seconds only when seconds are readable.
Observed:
2.39
